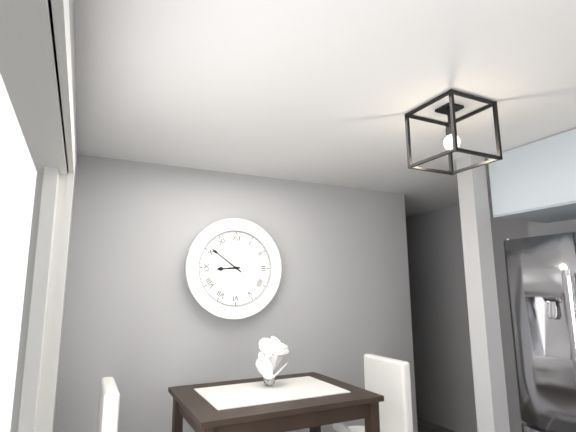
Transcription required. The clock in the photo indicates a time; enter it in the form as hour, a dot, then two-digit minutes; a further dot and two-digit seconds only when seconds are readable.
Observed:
8.51
